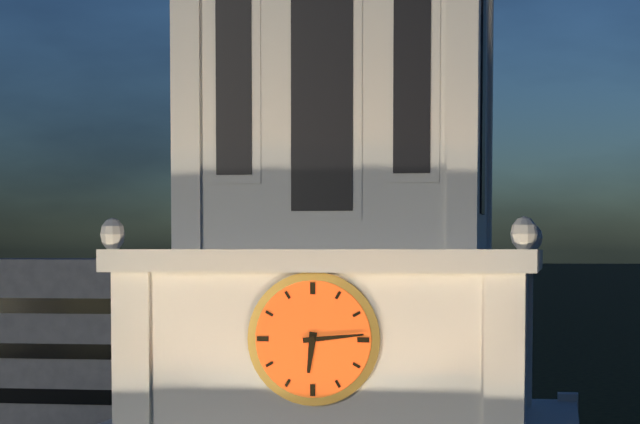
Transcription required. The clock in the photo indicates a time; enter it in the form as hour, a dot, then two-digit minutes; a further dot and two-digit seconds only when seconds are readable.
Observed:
6.14
